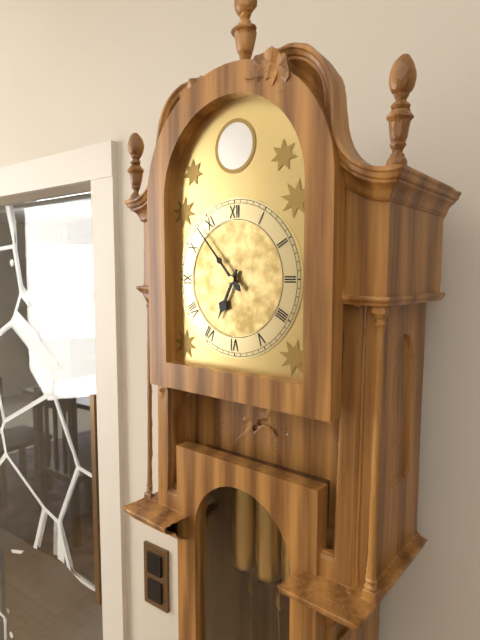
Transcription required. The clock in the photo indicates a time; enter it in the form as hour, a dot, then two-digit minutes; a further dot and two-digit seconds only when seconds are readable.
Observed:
6.53
